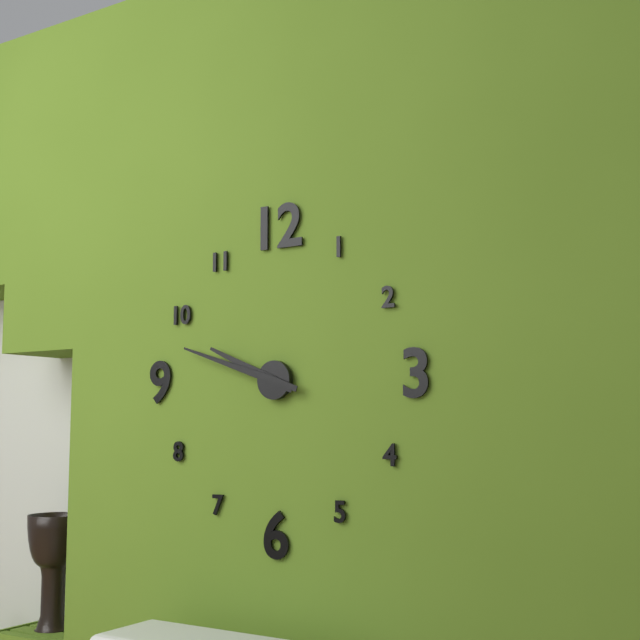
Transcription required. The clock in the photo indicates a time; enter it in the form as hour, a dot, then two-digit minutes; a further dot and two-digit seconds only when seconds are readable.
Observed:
9.48
